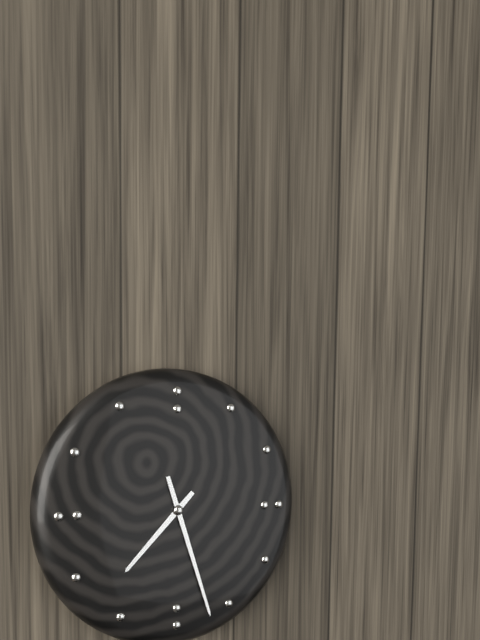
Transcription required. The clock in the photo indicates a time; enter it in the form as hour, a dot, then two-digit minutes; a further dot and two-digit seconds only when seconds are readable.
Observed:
7.27
